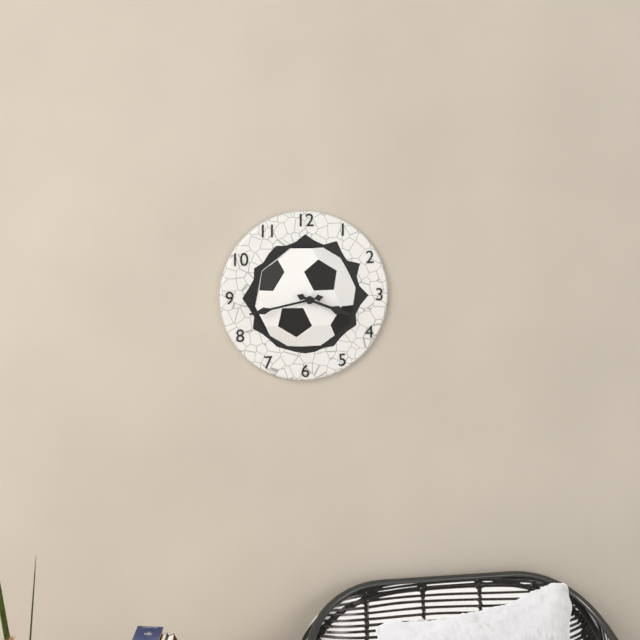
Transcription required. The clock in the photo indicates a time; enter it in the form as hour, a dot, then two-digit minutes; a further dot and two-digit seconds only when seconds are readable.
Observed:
3.43
